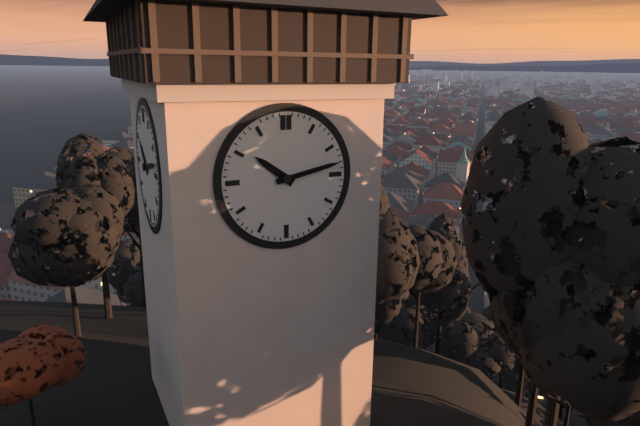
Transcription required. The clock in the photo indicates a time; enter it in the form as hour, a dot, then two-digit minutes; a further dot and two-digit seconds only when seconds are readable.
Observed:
10.13
